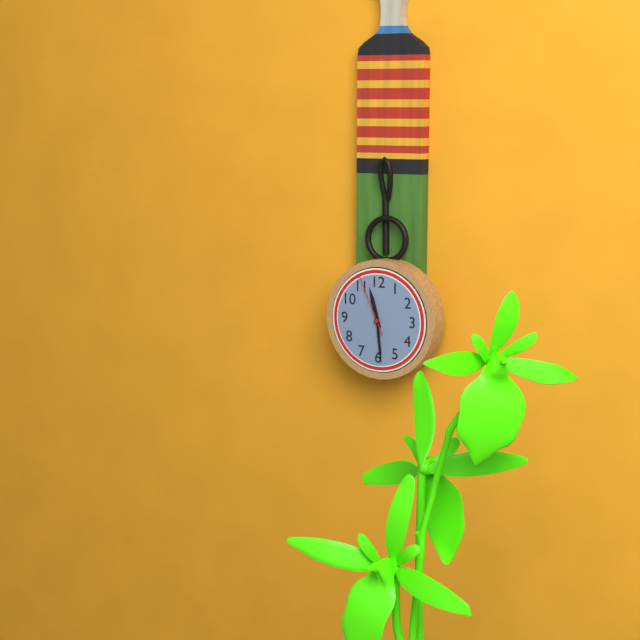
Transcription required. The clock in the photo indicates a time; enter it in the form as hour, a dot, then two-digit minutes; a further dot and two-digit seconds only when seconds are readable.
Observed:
11.29.56
